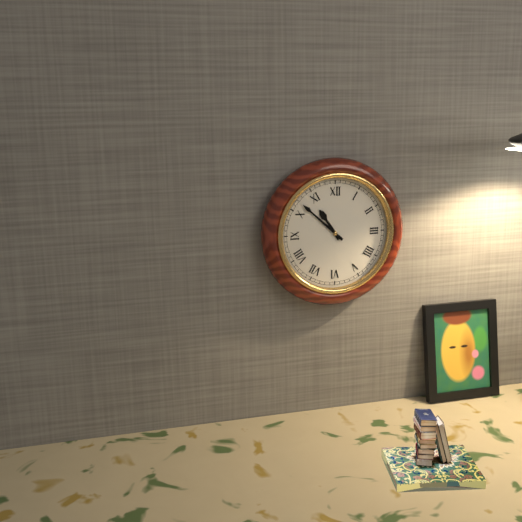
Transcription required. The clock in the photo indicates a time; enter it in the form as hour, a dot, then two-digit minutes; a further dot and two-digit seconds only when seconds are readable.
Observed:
10.52
